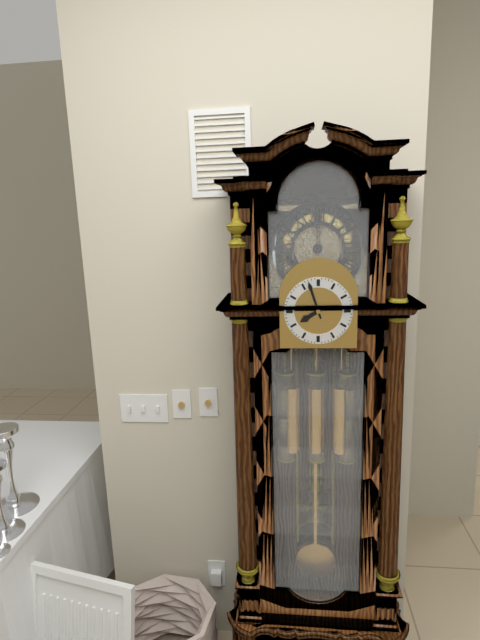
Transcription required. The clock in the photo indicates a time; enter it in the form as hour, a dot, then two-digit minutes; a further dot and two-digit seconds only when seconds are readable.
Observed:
7.57
